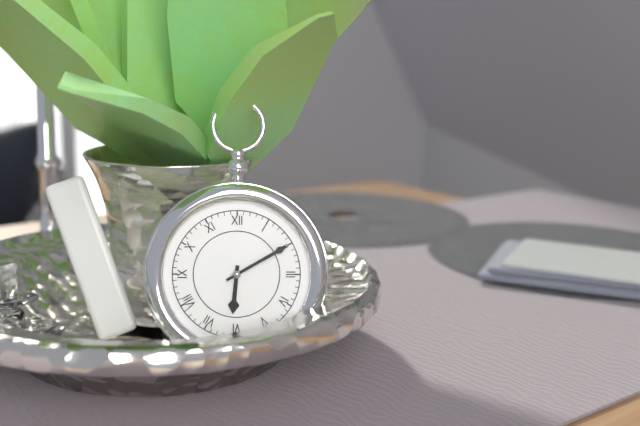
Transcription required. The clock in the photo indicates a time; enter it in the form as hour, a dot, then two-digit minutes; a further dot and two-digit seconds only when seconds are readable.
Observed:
6.10
